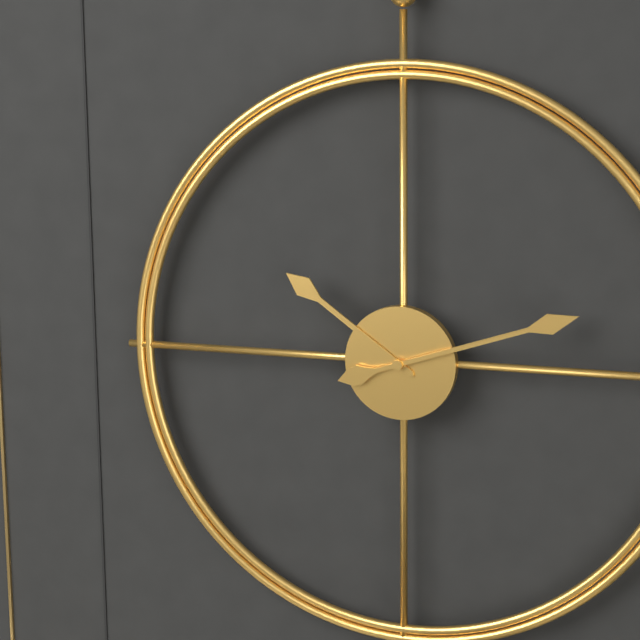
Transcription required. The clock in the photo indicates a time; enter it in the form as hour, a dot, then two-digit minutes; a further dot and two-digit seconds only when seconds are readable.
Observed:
10.12
